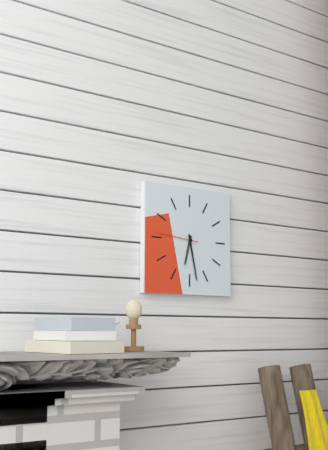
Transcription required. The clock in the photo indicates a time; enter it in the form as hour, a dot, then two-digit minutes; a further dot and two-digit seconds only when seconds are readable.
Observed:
6.28
